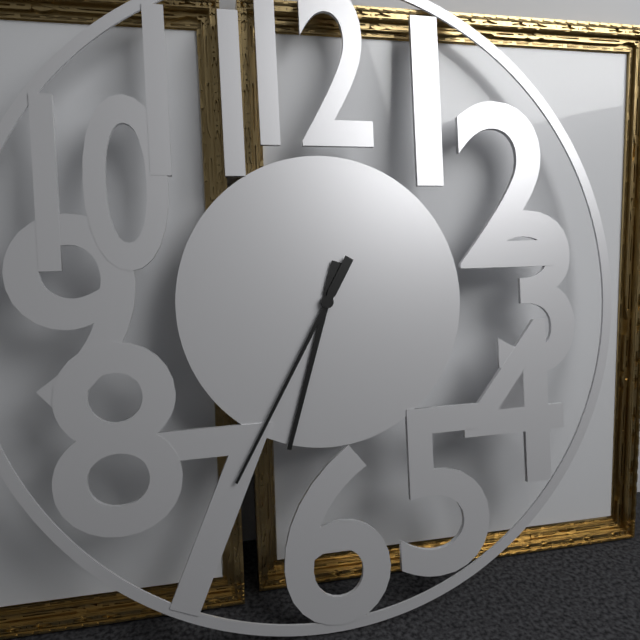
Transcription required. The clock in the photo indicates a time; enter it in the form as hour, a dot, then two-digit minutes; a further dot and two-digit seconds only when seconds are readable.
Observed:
6.35
